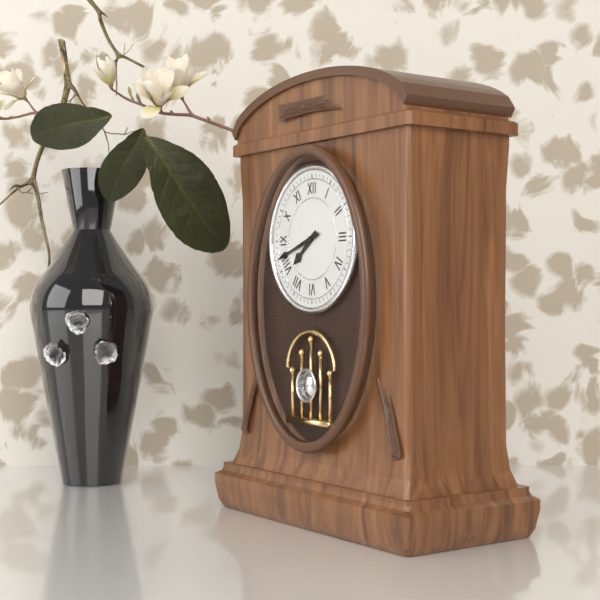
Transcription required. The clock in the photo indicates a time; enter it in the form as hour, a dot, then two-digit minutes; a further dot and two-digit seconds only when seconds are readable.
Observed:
7.42
